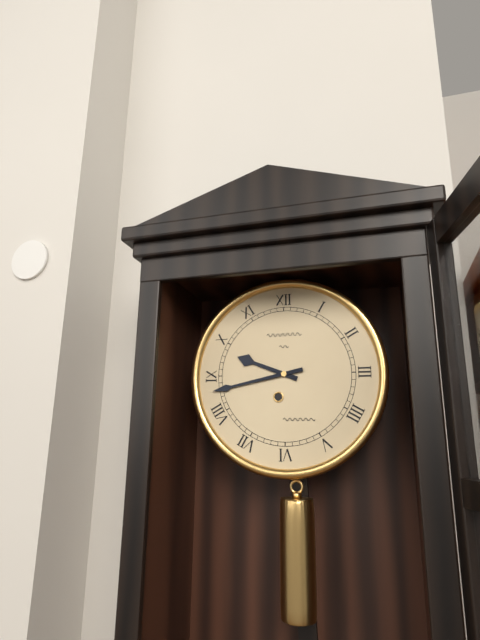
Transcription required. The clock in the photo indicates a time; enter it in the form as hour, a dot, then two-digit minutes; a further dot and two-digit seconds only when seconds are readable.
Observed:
9.43
